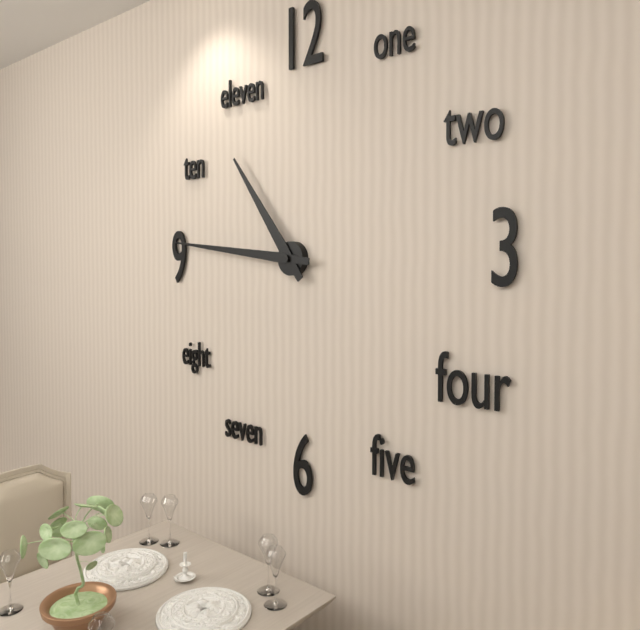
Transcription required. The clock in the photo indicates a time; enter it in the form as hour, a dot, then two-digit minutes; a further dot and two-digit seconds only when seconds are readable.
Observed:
10.46
